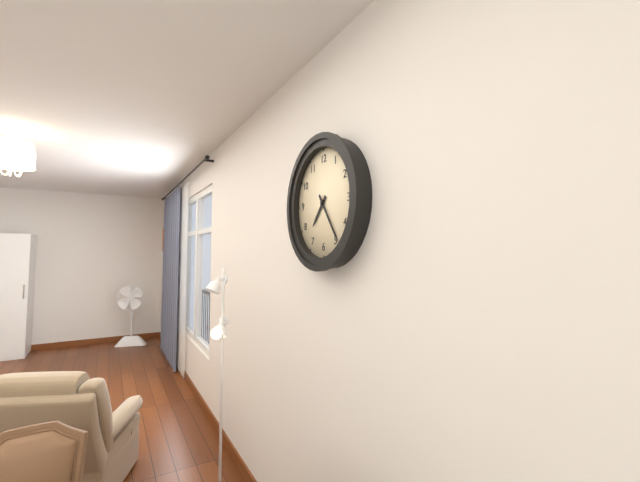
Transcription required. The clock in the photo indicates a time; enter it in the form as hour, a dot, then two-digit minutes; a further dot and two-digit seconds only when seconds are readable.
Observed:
7.24
